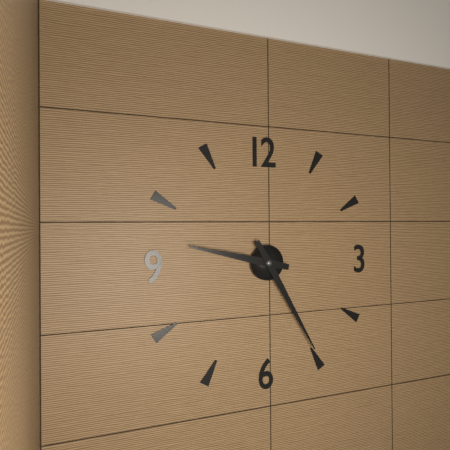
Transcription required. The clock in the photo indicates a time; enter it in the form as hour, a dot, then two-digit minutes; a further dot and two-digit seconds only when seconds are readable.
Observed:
9.25
